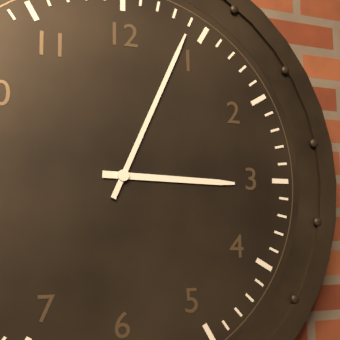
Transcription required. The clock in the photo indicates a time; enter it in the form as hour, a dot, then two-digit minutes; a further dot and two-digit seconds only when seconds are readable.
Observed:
3.04
